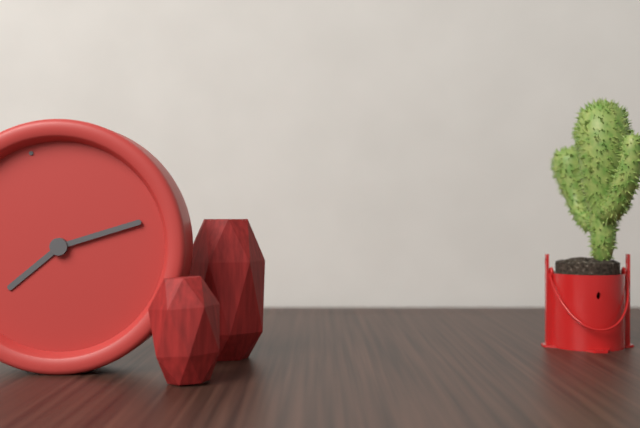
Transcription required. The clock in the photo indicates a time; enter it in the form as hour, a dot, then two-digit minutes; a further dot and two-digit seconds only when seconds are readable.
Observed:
8.15
